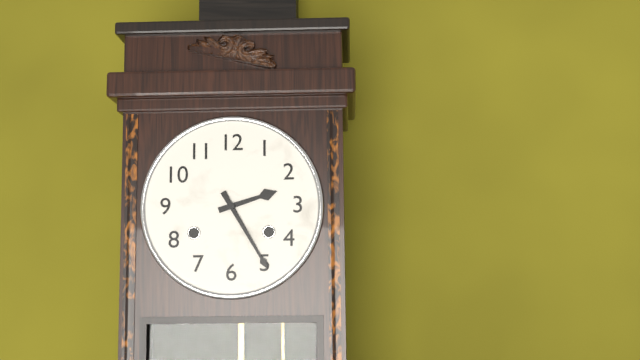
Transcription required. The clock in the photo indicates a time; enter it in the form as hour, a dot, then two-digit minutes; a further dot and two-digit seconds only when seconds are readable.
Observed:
2.25
